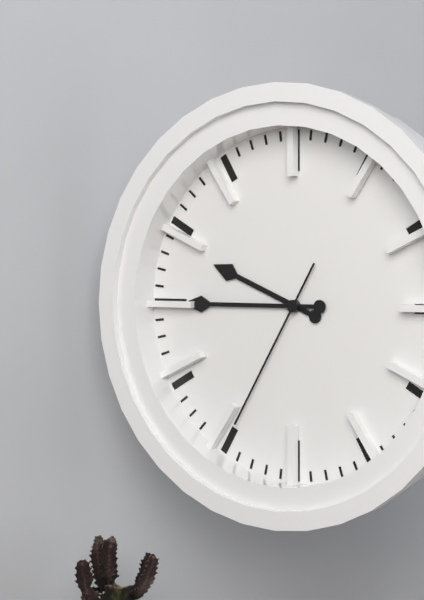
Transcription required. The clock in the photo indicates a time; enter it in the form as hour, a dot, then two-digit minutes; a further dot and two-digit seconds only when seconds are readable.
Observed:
9.45.35
